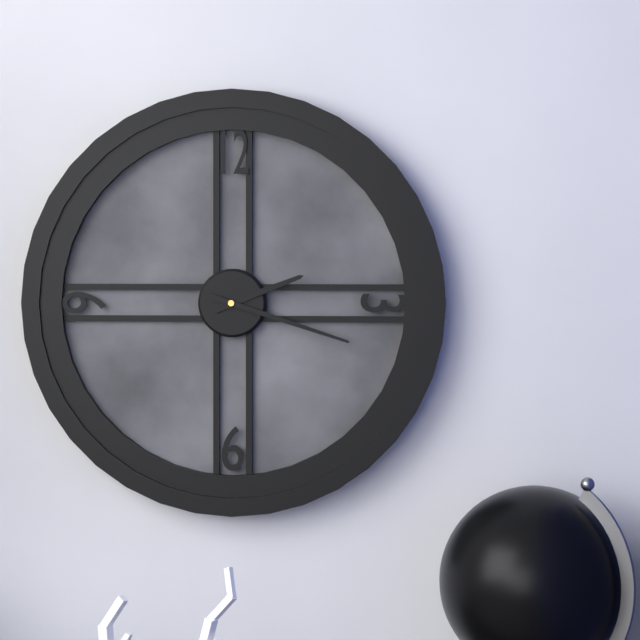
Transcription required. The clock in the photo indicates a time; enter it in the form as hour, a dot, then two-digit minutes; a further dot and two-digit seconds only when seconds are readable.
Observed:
2.18
